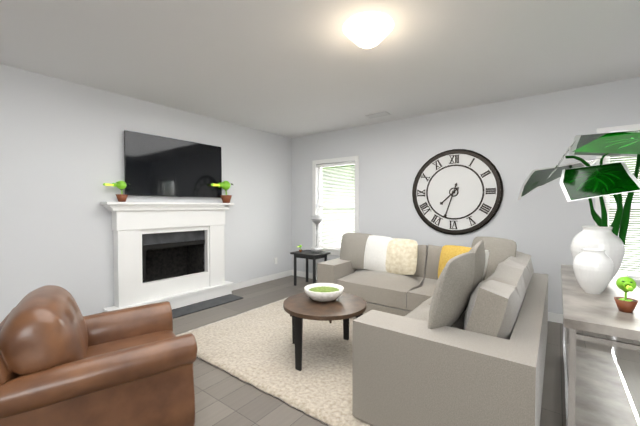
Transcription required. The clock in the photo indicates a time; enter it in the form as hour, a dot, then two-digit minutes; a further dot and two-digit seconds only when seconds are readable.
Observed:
7.33
